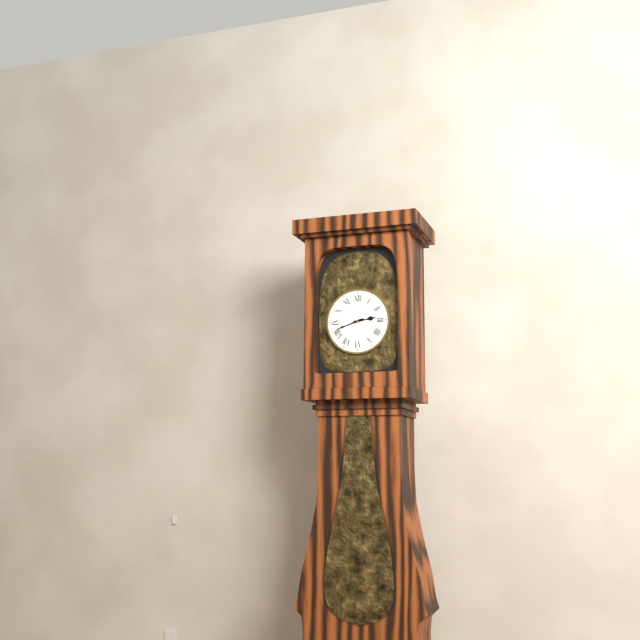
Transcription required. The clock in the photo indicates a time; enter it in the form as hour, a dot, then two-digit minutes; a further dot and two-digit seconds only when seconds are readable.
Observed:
2.42
